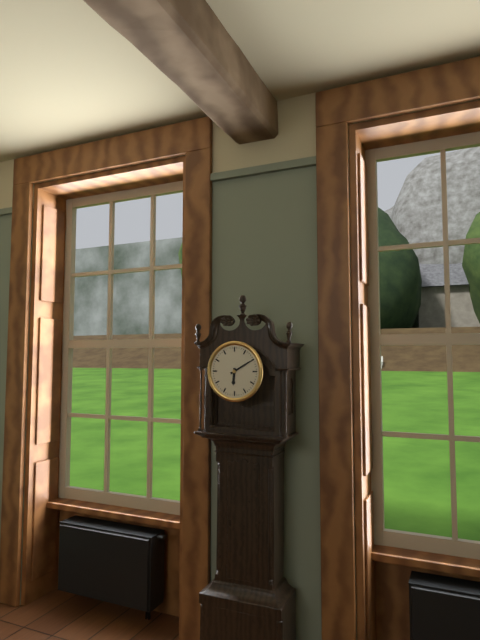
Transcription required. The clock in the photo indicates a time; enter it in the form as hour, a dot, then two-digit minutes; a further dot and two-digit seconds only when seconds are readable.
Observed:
6.10
